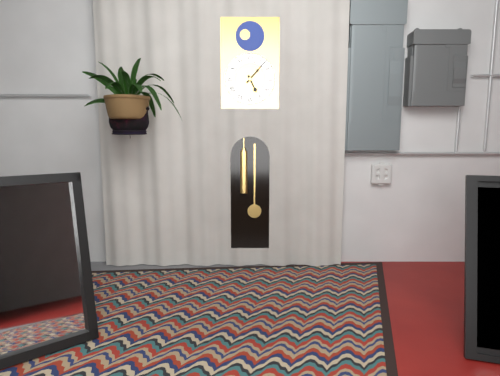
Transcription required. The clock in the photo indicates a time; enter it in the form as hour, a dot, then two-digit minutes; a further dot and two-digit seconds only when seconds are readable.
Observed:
5.07
